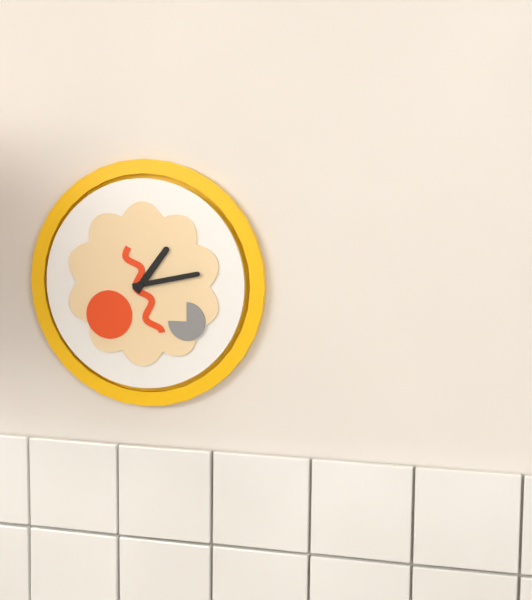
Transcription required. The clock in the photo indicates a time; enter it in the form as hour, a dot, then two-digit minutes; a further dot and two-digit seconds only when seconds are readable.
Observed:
1.13
